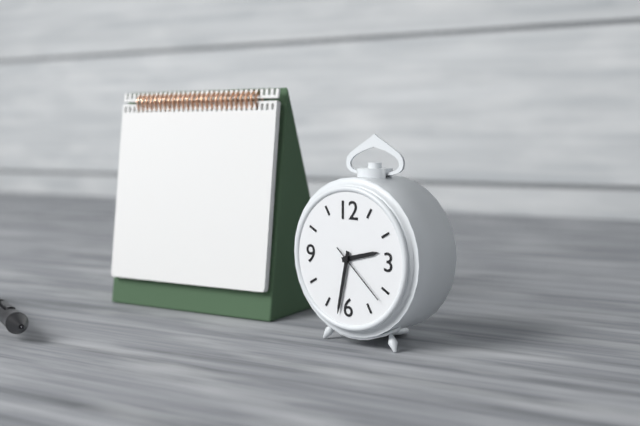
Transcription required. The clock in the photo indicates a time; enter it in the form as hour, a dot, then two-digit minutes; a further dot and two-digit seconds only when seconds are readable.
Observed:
2.32.22
